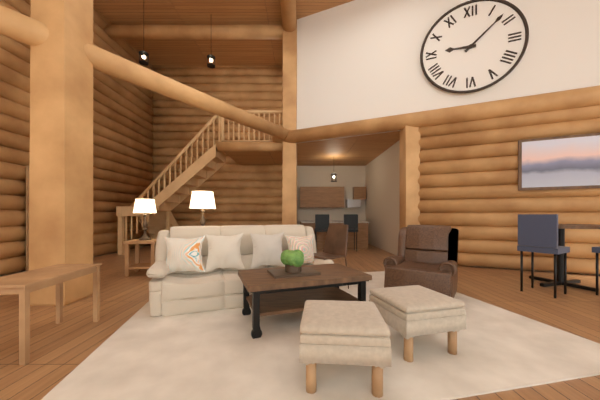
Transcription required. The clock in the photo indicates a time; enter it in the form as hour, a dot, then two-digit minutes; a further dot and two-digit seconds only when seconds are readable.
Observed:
9.08
